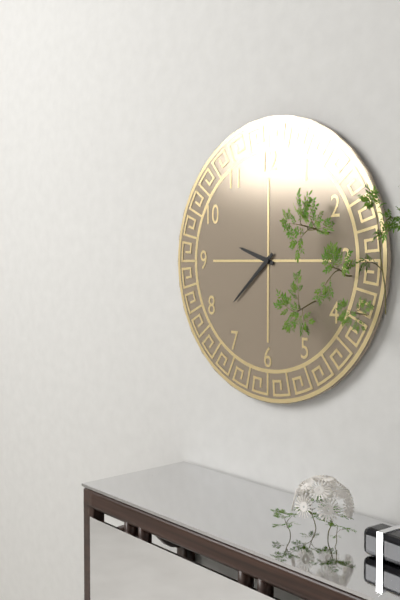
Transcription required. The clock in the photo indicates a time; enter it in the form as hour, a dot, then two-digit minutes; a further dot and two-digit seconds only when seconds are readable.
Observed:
9.38
